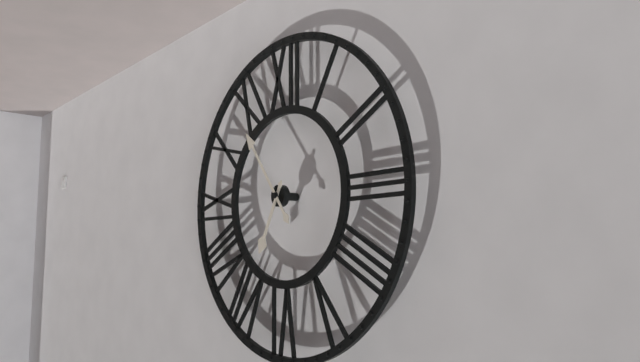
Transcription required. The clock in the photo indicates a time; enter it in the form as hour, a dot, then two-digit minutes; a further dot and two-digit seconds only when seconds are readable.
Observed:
6.54
